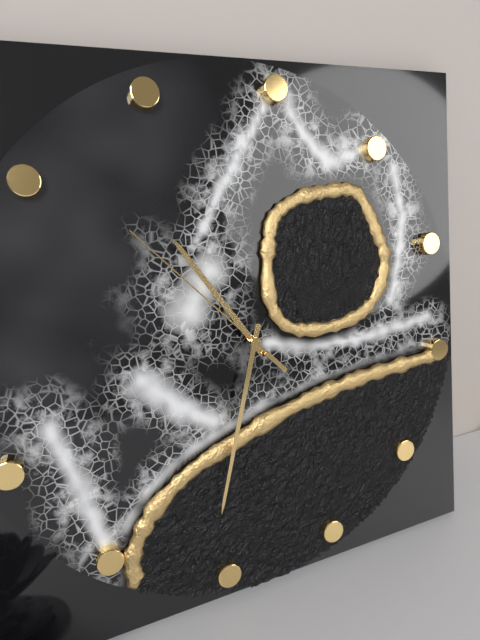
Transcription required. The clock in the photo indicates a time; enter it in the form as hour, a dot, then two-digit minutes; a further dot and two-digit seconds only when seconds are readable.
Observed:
10.31.51
